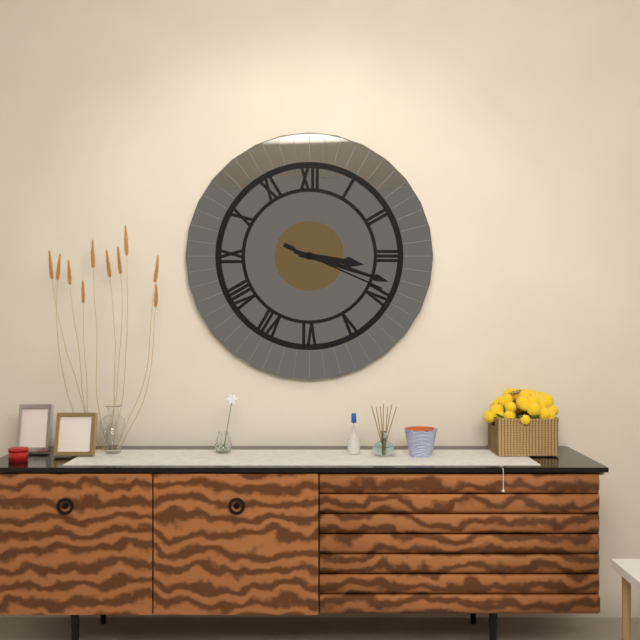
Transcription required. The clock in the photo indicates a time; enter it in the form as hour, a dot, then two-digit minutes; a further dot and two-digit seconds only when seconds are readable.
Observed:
3.18.19
